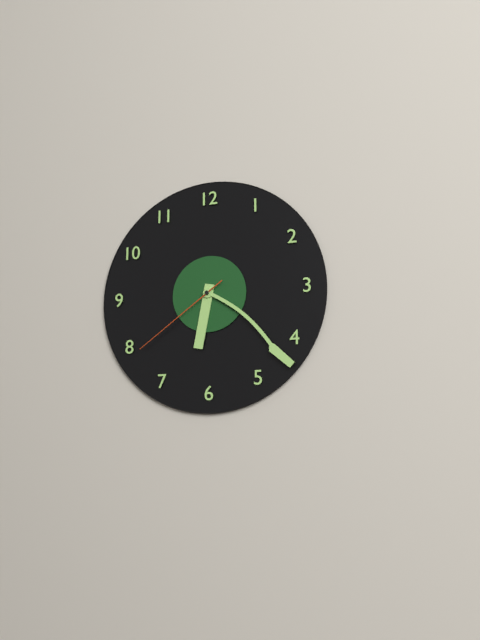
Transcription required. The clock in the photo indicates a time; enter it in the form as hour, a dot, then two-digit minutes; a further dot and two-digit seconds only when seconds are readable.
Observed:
6.22.39
